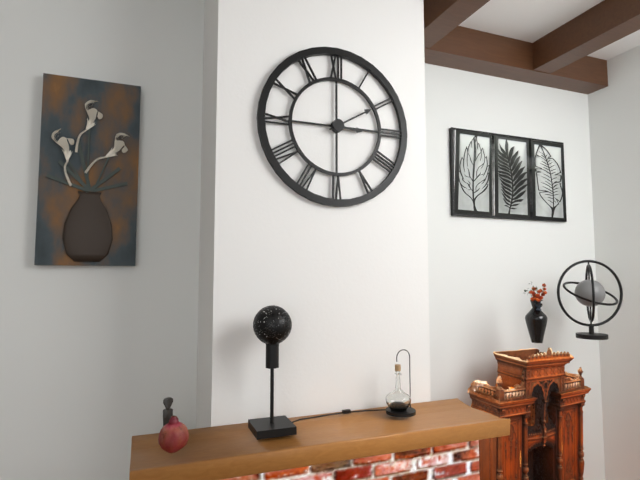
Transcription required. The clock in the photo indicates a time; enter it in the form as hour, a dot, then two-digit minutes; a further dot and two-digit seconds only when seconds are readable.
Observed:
3.10
